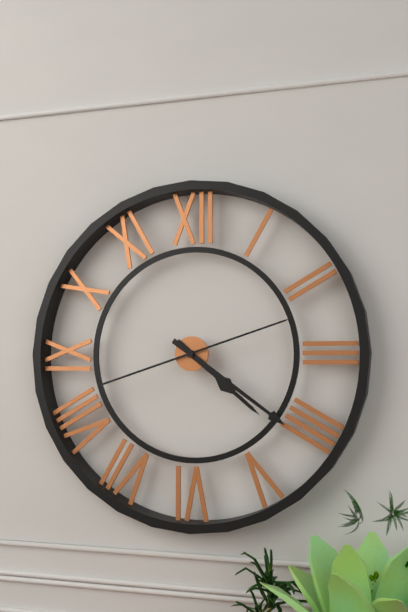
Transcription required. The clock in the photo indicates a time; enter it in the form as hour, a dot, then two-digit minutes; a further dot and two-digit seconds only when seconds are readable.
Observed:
4.21.12
